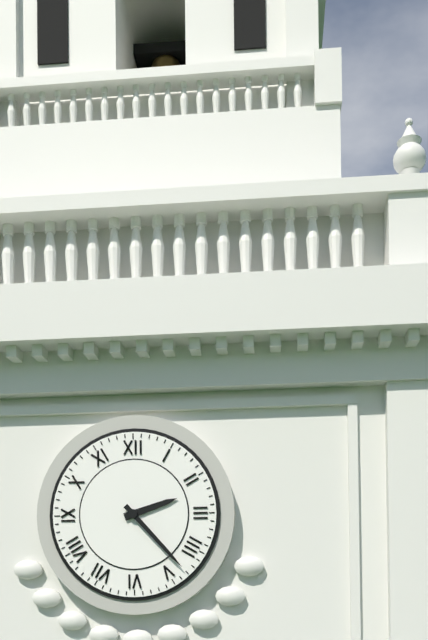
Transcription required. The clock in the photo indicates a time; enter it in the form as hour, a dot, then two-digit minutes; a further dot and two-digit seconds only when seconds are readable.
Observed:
2.23
